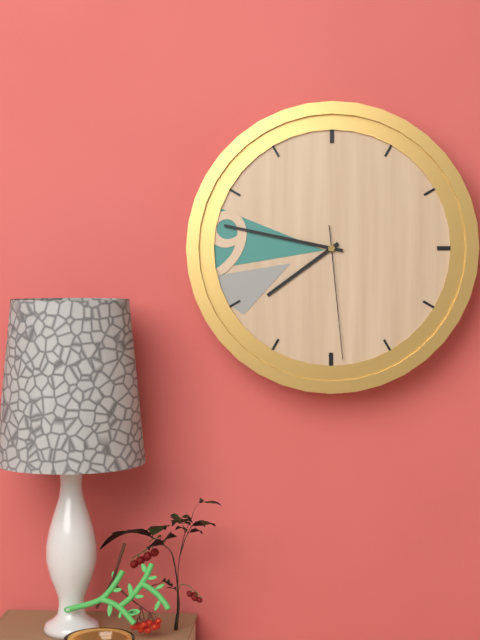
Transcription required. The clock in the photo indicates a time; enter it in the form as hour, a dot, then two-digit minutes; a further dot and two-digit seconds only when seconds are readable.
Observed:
7.47.29
